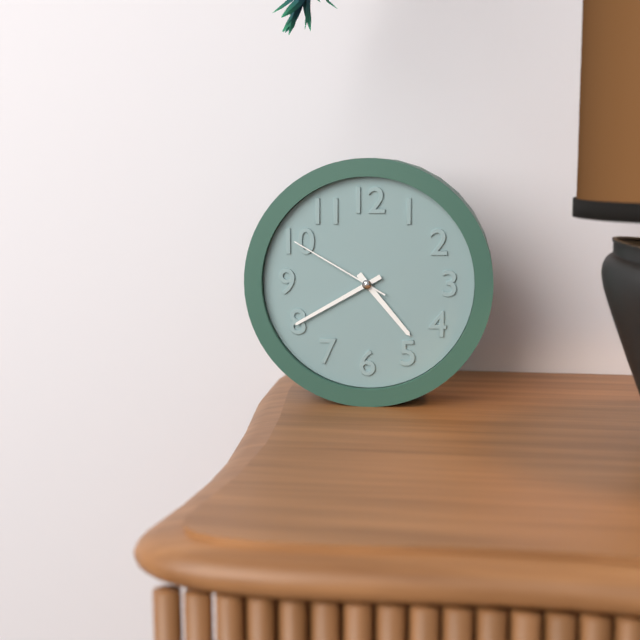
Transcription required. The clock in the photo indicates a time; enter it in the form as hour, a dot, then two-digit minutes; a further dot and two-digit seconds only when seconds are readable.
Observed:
4.40.50
